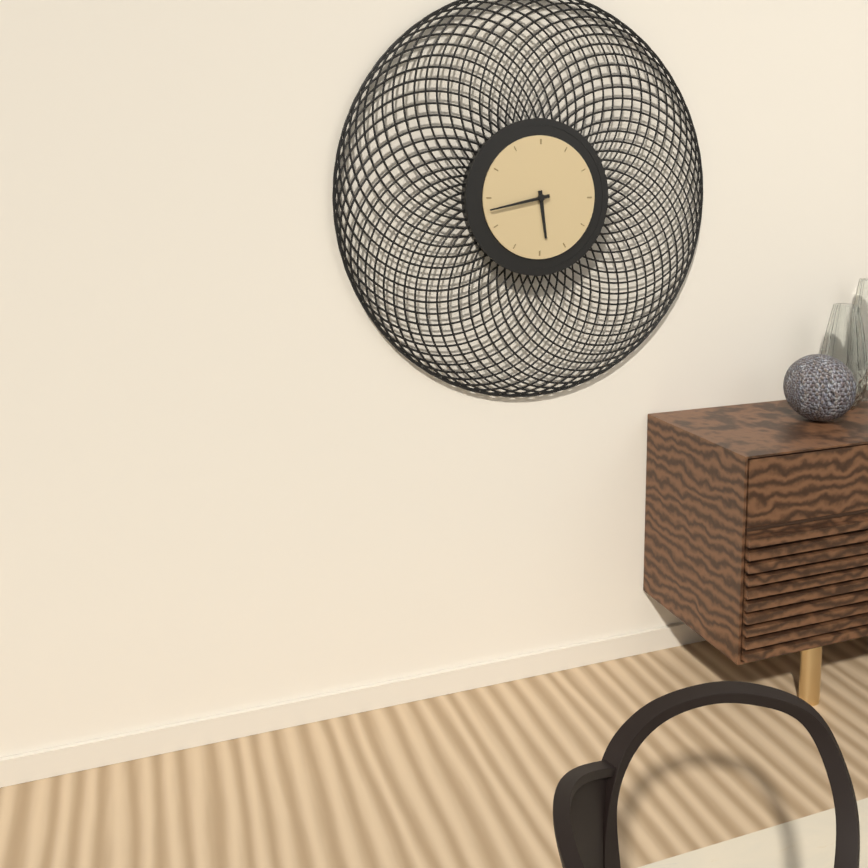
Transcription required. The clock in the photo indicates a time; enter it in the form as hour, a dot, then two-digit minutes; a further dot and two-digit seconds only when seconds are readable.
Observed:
5.43
